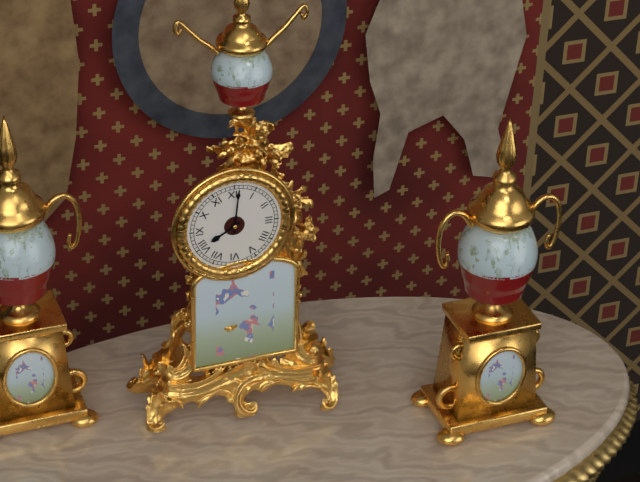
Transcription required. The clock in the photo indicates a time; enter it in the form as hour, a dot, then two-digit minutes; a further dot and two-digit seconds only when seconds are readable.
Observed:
8.01
